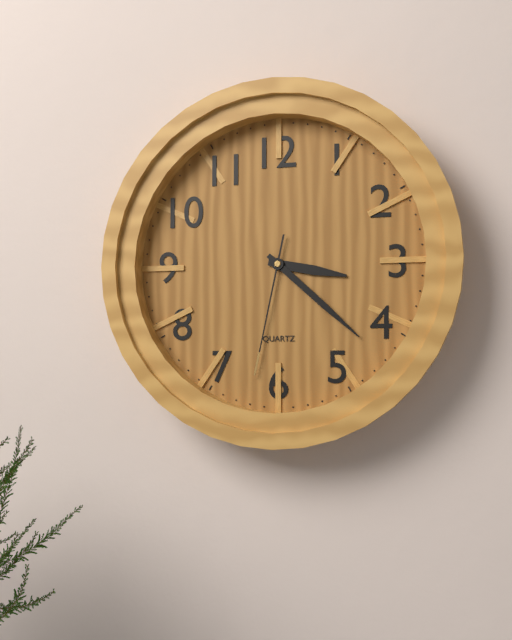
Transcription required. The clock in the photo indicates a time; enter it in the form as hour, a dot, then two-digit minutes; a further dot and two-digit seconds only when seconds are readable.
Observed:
3.22.32
